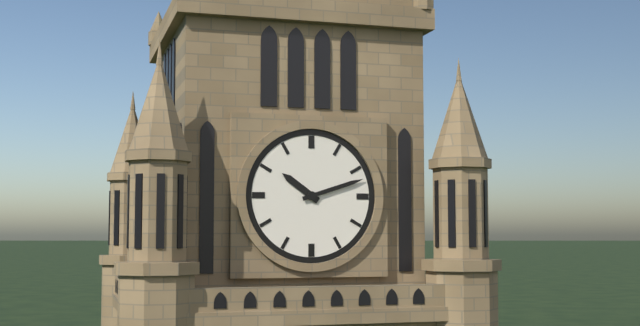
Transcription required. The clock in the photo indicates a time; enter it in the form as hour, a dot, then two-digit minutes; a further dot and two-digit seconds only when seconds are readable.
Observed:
10.12
